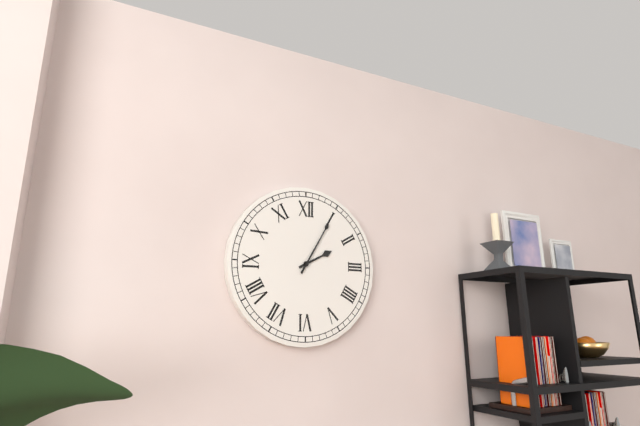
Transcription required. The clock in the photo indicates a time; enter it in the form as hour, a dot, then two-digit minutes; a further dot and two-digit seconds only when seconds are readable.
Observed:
2.05
